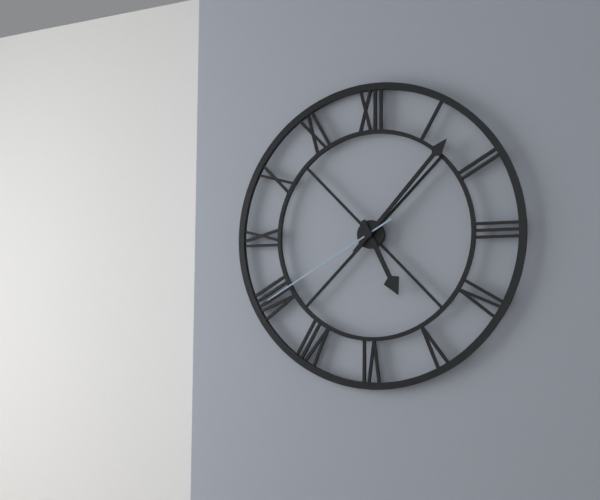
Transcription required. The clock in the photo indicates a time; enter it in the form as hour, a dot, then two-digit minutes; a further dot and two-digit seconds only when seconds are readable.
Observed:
5.07.40
